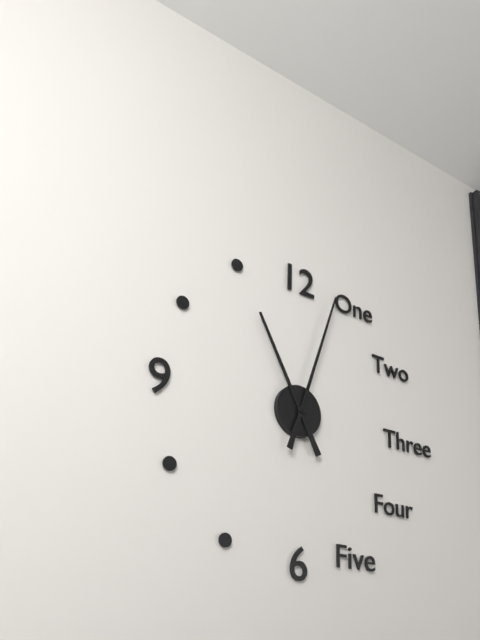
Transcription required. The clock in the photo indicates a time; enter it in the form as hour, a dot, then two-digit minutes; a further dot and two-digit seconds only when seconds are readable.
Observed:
11.03
